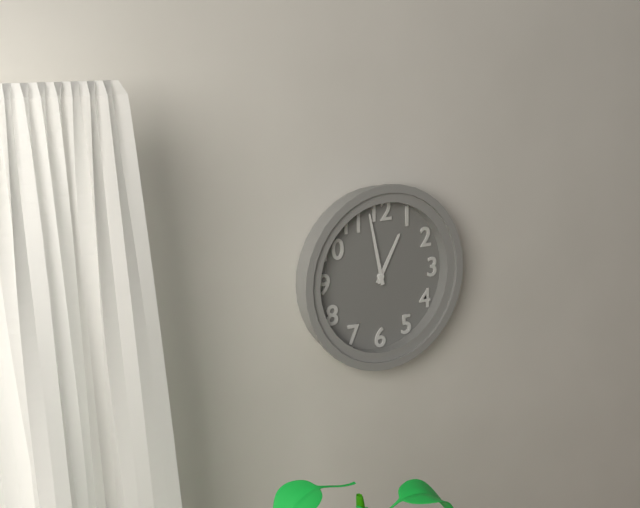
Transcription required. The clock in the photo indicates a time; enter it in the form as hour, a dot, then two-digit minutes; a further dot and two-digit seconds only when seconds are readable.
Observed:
12.58
